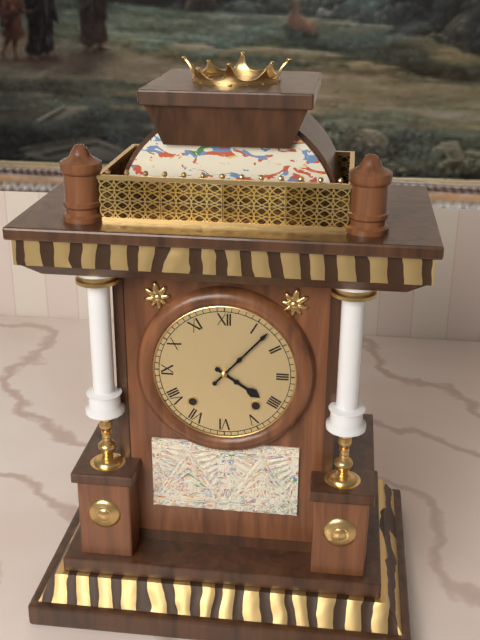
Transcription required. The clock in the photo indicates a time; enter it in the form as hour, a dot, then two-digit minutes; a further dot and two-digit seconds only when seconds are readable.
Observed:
4.07
